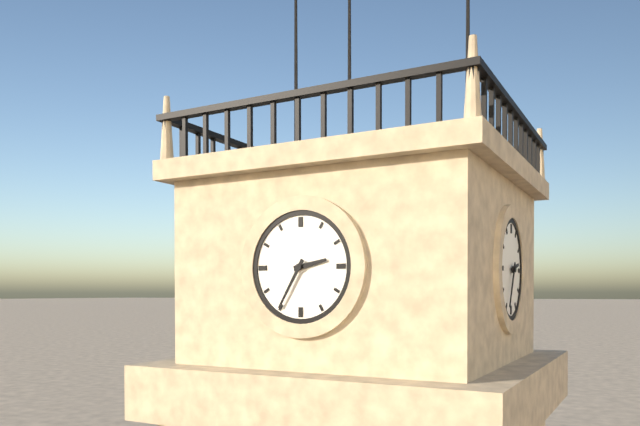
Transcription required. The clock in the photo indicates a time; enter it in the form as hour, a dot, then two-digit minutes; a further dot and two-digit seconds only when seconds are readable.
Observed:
2.35
